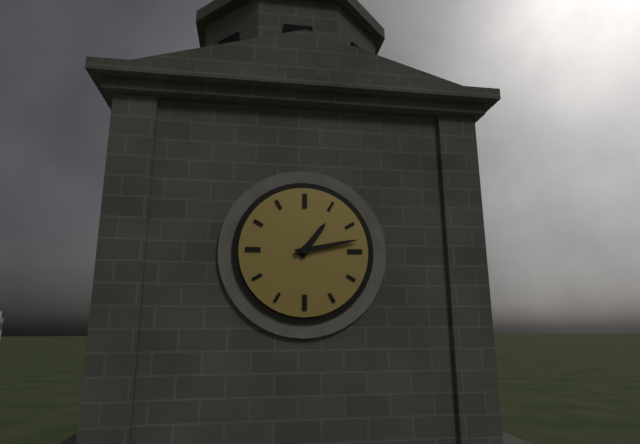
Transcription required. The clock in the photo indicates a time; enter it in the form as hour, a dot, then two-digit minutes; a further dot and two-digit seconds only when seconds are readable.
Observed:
1.13
